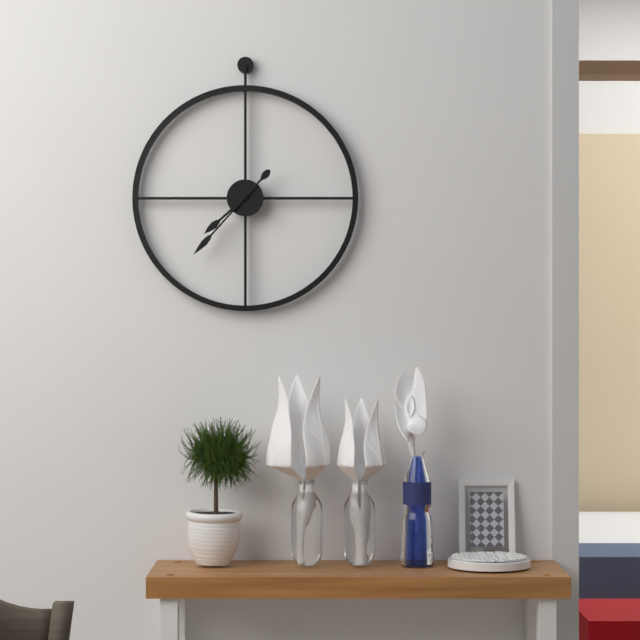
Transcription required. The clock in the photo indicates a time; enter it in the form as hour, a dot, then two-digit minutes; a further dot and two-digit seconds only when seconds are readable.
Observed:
7.37
